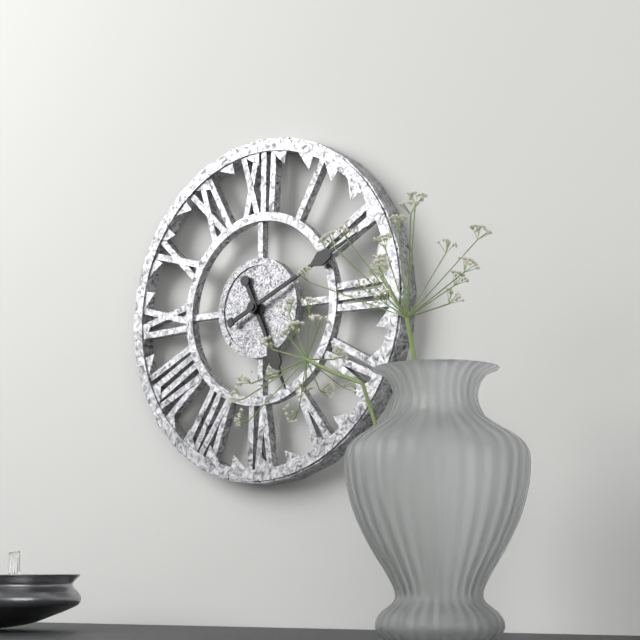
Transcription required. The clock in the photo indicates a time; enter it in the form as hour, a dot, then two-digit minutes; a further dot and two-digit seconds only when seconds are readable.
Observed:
5.11
